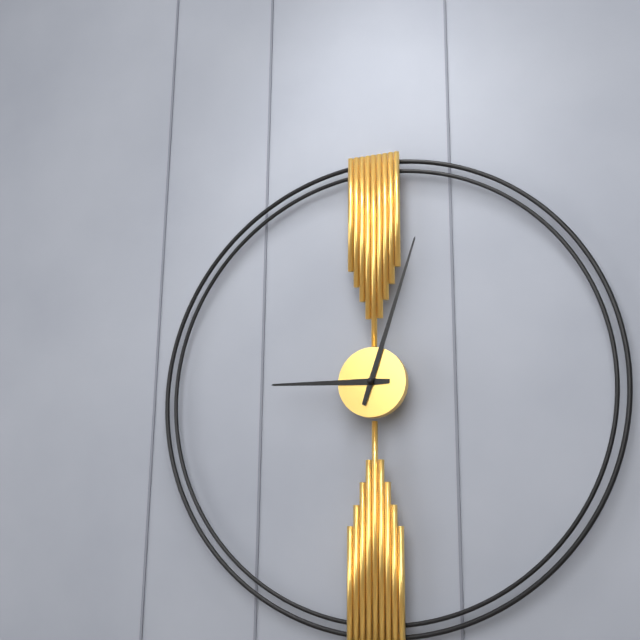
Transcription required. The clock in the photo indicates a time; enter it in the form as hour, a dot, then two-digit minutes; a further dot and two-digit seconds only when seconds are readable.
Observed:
9.03
